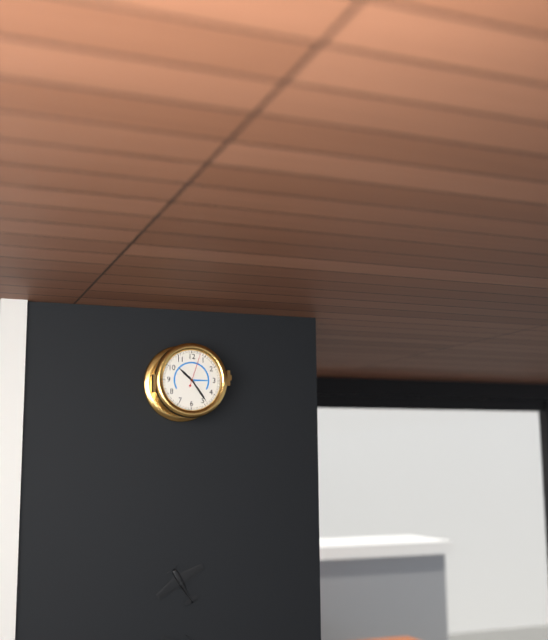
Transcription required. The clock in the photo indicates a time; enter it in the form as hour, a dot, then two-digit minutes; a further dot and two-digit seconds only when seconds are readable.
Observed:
10.24
